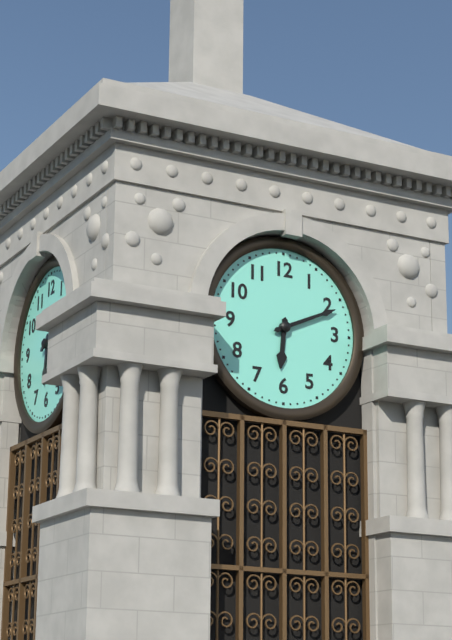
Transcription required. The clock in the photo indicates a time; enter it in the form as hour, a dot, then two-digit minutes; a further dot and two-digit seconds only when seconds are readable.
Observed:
6.11
